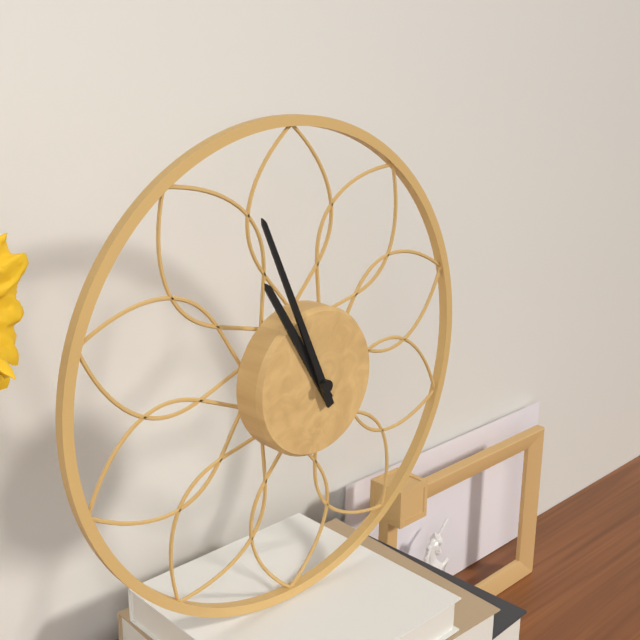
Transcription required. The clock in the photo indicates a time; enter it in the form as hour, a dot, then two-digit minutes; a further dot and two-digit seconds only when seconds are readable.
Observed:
10.56
